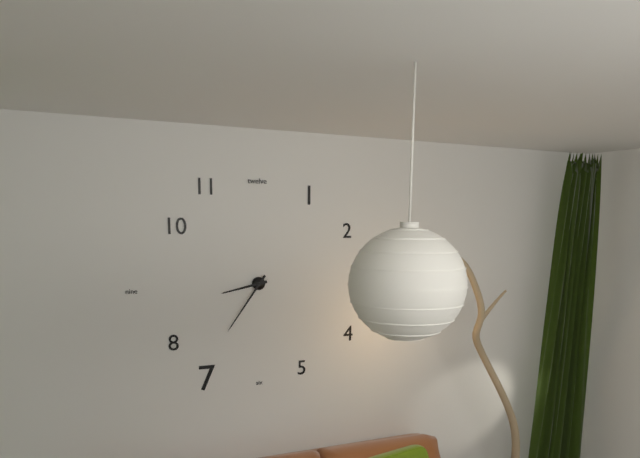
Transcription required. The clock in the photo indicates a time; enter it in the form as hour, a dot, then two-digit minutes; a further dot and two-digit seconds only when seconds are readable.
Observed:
8.36
